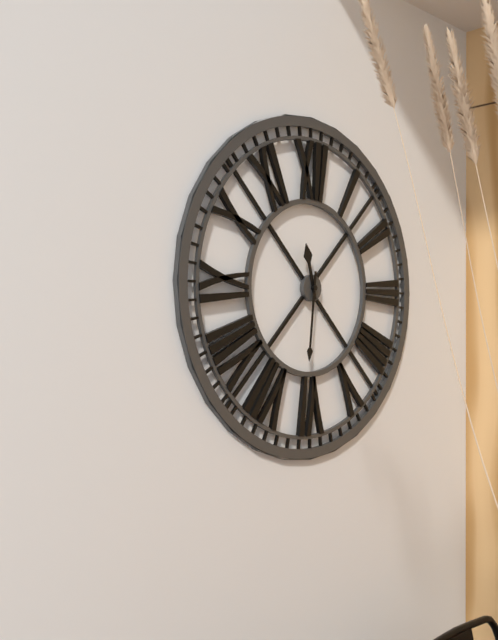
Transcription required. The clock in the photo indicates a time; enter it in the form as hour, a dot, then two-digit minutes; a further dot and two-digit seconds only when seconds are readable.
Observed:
11.31
